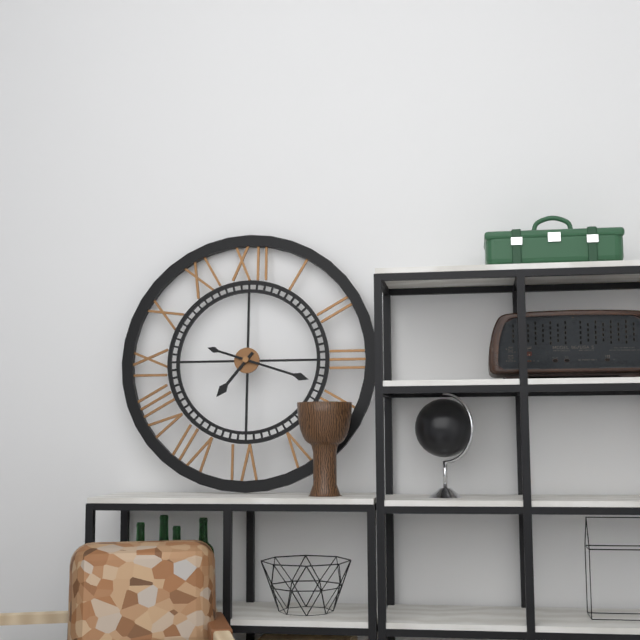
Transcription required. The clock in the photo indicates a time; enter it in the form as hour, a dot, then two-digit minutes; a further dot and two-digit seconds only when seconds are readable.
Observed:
7.18
